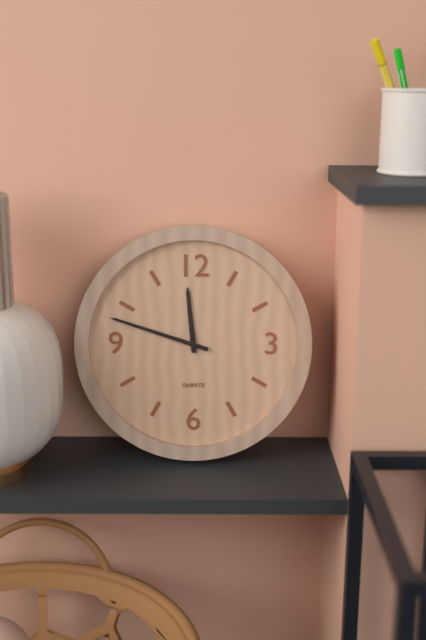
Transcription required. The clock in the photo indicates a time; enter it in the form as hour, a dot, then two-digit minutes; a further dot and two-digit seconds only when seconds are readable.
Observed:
11.48
